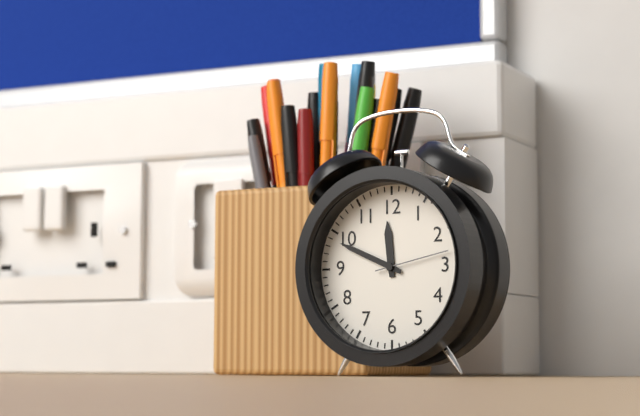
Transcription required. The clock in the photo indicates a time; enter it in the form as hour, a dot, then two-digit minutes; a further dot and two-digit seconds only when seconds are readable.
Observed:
11.49.13
